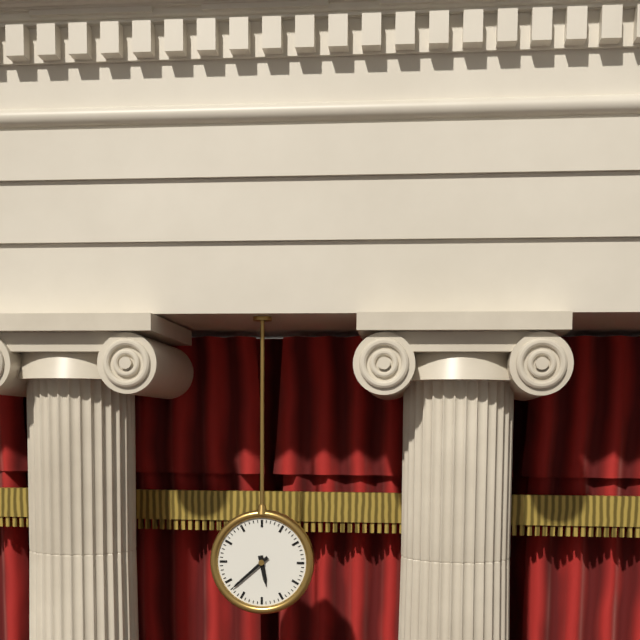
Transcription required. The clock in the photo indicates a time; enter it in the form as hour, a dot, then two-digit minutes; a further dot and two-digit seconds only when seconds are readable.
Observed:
5.38
